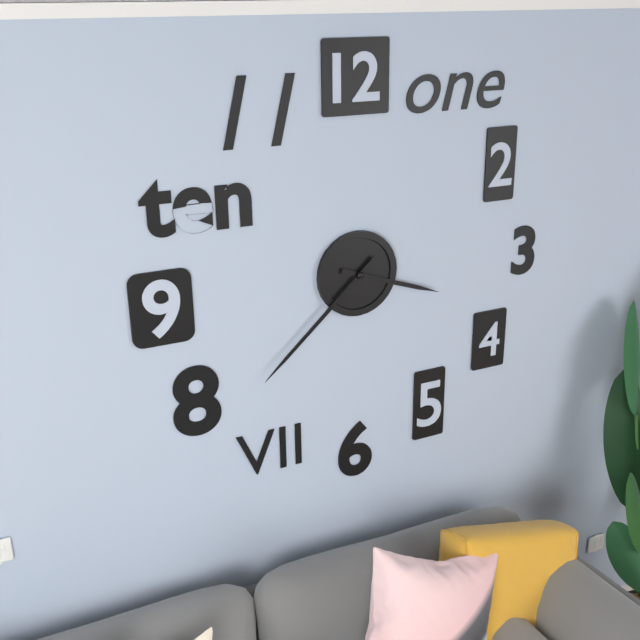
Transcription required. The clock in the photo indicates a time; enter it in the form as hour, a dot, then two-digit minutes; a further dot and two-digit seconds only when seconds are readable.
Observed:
3.38
